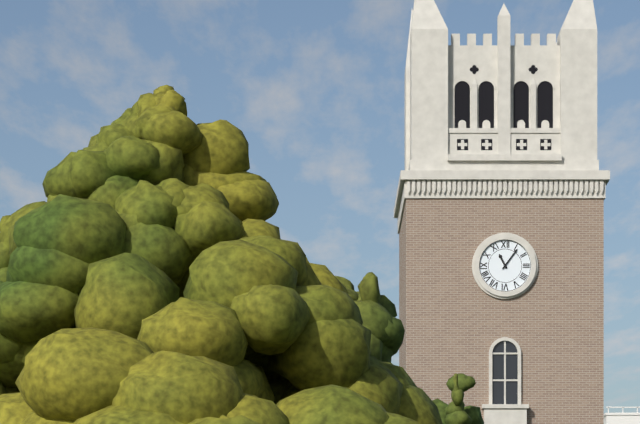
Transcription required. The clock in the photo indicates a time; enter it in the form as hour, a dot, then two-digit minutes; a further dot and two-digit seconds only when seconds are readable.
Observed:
11.06
